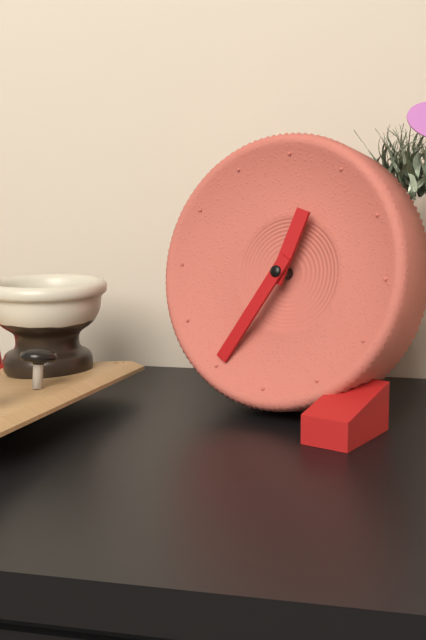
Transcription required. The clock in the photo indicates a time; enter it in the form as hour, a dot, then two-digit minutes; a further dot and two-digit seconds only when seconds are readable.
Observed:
12.35
